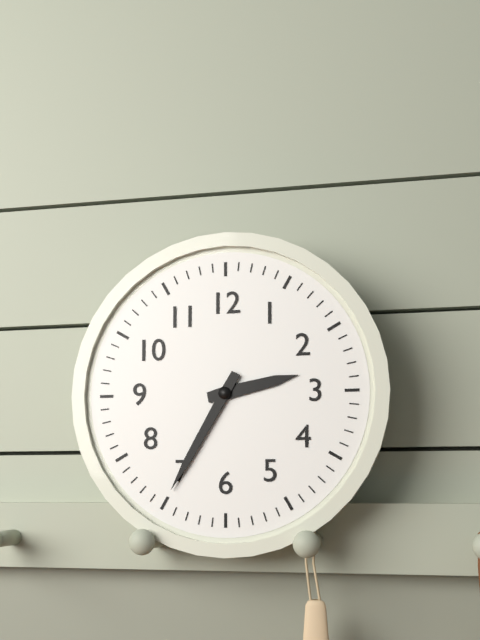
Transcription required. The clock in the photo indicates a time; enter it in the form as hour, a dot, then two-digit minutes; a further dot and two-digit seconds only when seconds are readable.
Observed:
2.35
